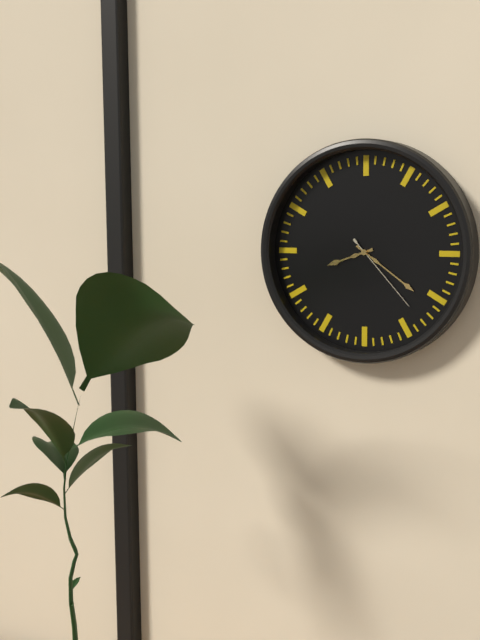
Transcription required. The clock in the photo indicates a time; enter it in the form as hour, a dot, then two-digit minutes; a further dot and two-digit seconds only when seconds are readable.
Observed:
8.21.23
